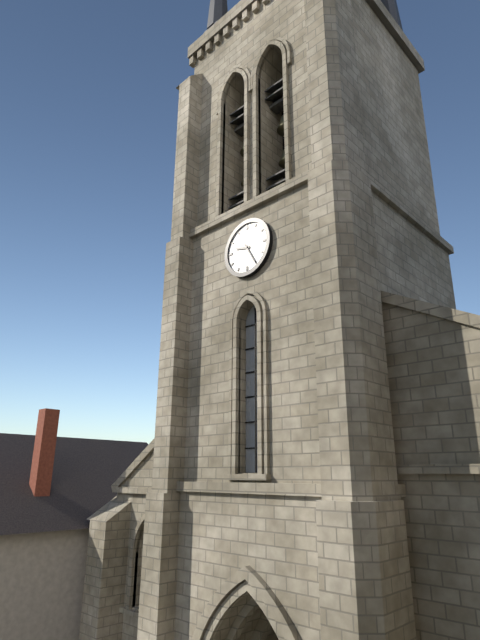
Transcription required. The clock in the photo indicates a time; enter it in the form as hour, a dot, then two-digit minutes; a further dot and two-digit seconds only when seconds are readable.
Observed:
9.25
